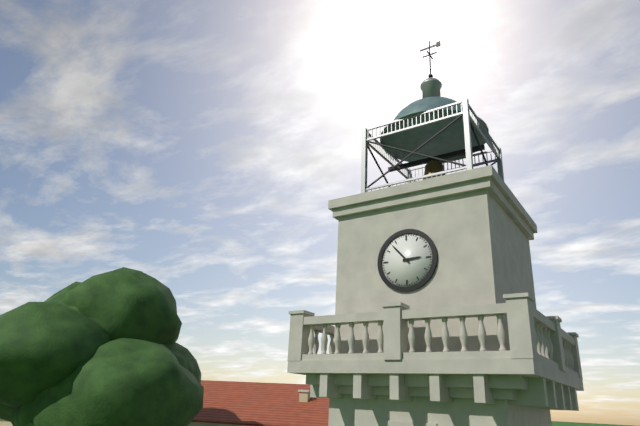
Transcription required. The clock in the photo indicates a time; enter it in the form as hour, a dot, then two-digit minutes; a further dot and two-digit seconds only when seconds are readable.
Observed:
2.53
